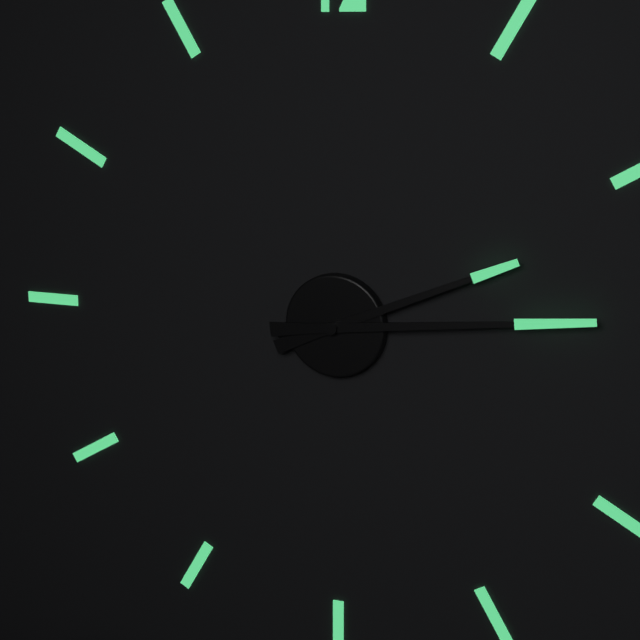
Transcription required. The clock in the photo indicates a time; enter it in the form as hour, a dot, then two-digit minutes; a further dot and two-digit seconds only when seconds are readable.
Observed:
2.14
